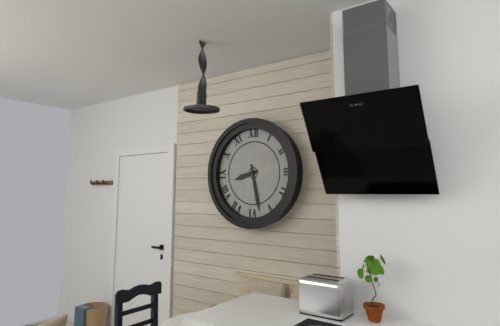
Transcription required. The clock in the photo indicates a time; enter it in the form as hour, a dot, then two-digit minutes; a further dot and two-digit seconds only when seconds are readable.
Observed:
8.28
